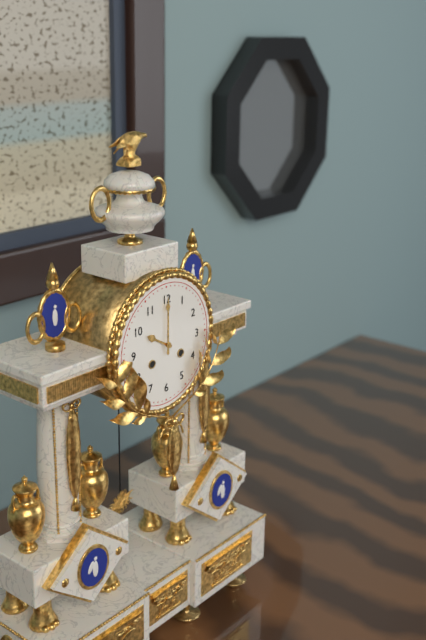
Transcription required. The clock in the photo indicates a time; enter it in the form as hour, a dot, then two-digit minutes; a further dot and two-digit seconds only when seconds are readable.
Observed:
10.00
